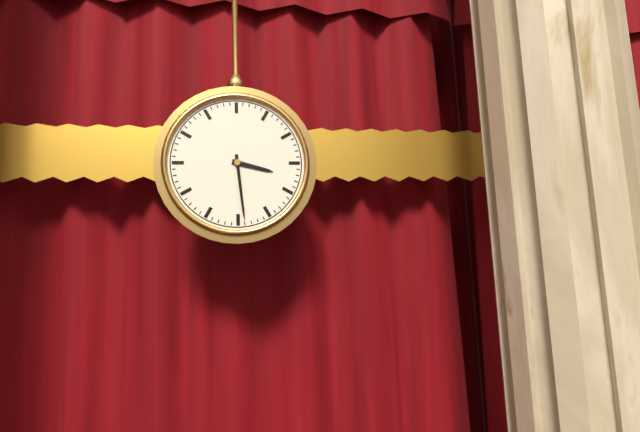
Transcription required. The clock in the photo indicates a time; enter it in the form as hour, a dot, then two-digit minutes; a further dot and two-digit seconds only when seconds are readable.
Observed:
3.29
